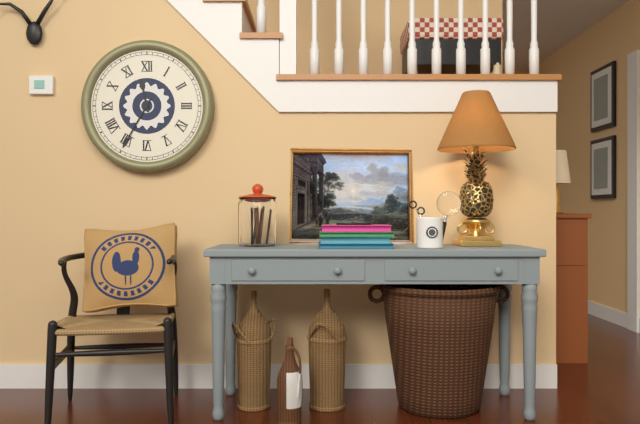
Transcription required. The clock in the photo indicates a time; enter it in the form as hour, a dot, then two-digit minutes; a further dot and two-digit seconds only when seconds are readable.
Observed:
11.35
